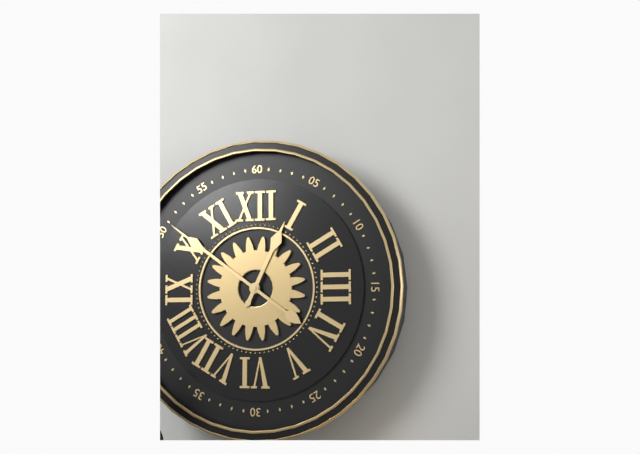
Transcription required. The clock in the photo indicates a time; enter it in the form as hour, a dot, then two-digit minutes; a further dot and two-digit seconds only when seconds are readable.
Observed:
12.51
